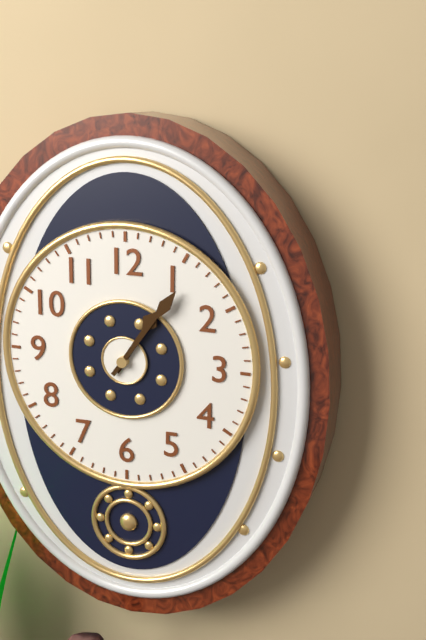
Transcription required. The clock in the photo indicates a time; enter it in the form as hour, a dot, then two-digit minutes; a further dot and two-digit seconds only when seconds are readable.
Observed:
1.06
